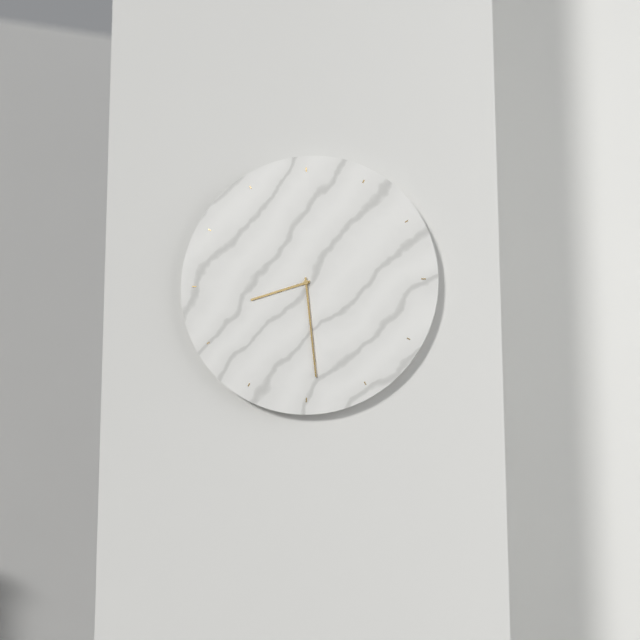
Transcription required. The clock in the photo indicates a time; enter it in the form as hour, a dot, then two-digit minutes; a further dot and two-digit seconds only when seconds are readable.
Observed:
8.29
